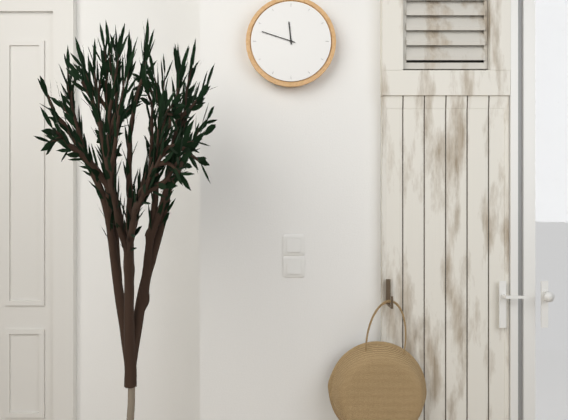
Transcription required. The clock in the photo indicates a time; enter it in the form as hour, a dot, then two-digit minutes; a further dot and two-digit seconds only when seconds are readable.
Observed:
11.48
